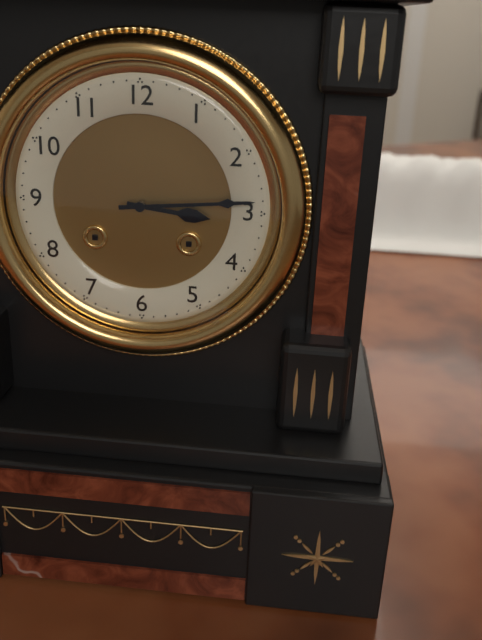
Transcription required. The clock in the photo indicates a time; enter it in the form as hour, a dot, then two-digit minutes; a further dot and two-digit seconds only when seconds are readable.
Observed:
3.14
